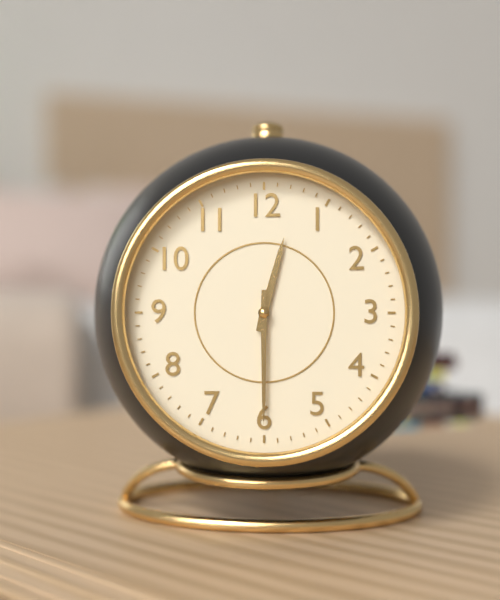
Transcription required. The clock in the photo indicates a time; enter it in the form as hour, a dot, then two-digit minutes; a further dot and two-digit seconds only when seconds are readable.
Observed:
12.30
